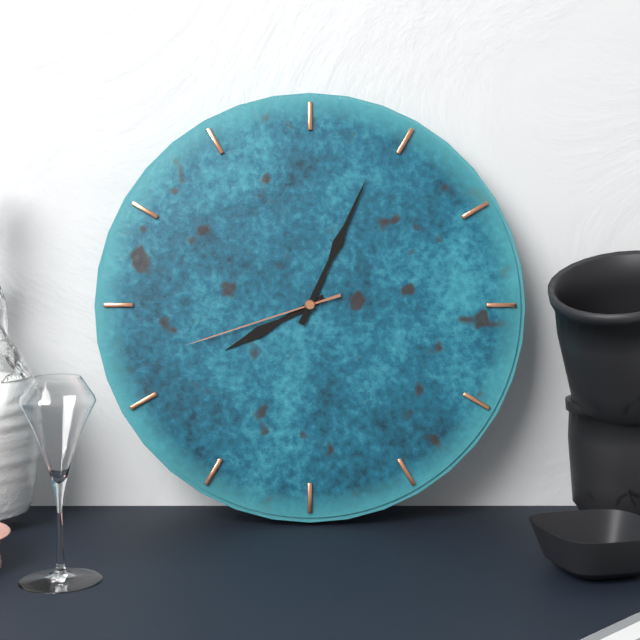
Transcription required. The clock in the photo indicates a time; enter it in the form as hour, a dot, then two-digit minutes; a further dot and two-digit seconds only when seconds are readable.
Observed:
8.04.42
